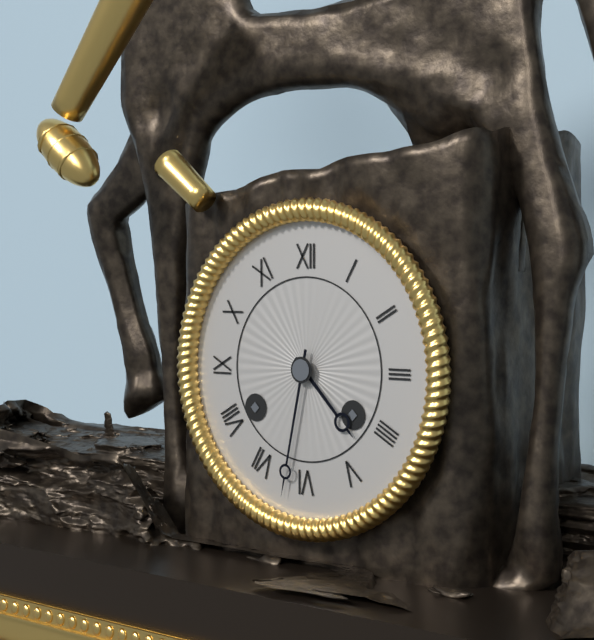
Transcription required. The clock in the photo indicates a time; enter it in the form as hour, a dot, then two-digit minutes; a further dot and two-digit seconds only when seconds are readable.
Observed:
4.32
